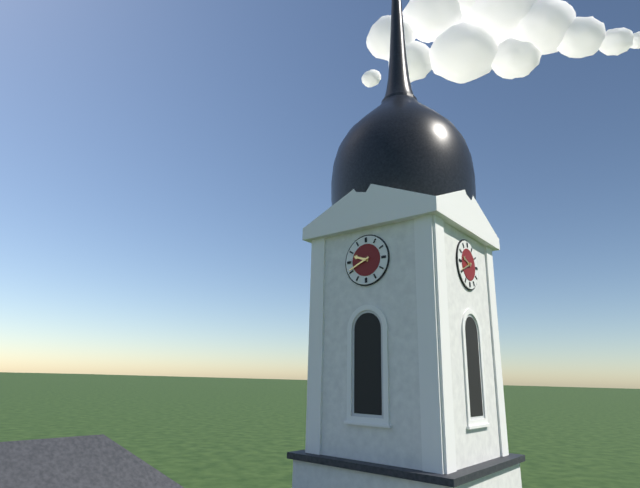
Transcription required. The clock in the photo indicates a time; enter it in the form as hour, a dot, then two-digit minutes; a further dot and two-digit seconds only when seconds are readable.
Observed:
9.41
